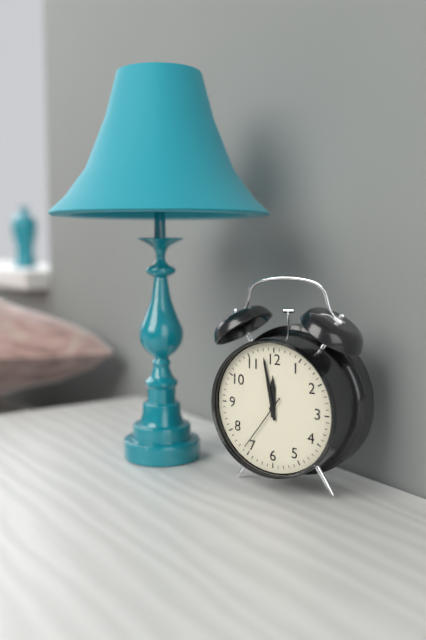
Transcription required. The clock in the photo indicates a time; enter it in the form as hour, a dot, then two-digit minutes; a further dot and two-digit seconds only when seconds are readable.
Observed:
11.58.36
